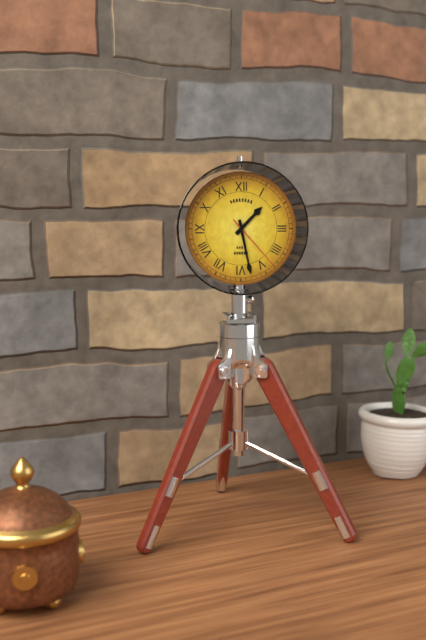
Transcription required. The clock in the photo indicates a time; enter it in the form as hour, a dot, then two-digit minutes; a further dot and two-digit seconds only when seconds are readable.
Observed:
1.28.23
